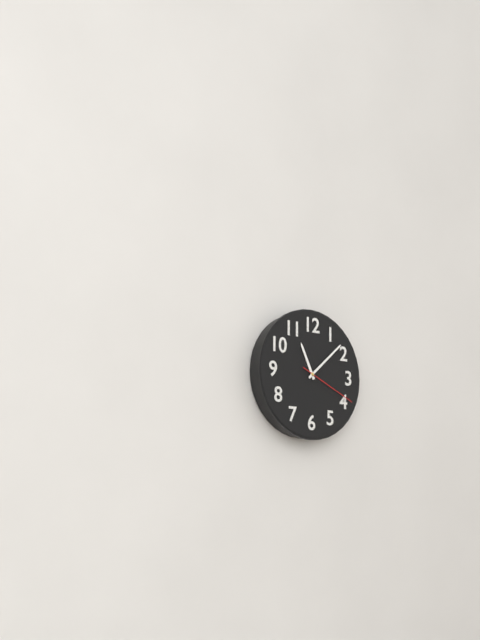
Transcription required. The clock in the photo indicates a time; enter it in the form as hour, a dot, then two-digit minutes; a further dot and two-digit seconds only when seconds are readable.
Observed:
11.08.19
